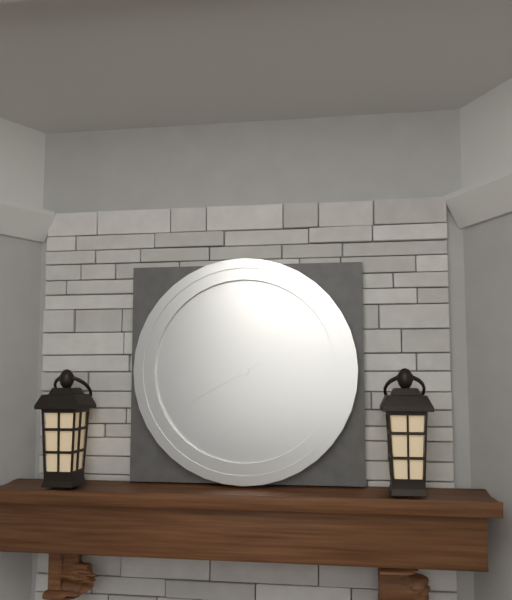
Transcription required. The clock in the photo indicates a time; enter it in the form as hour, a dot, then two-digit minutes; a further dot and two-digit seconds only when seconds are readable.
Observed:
3.40
